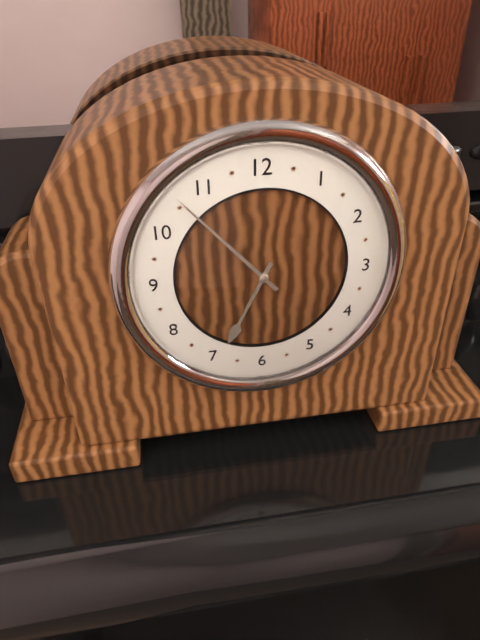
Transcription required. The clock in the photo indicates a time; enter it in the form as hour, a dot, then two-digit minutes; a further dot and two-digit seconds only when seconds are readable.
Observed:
6.53
